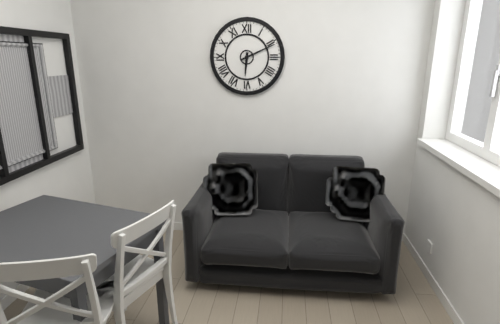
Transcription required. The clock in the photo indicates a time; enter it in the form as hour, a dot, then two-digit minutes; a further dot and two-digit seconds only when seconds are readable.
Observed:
6.11
